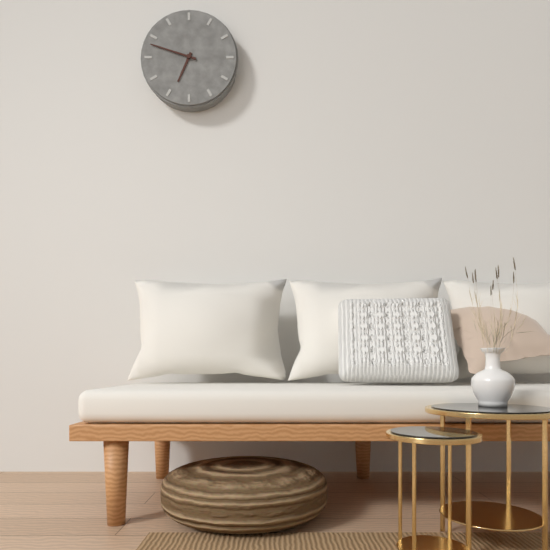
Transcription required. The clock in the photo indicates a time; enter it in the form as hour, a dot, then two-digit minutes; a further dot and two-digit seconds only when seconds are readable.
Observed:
6.48
